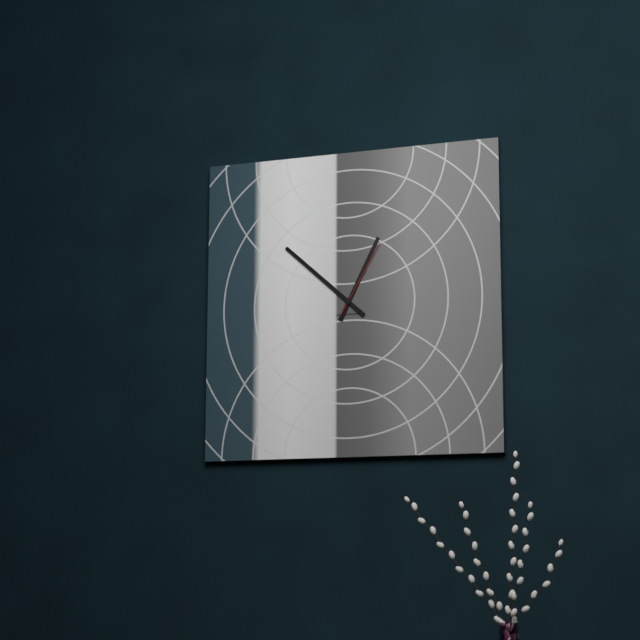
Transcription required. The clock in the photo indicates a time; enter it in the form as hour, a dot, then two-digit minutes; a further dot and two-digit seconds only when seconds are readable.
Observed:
12.52.05
